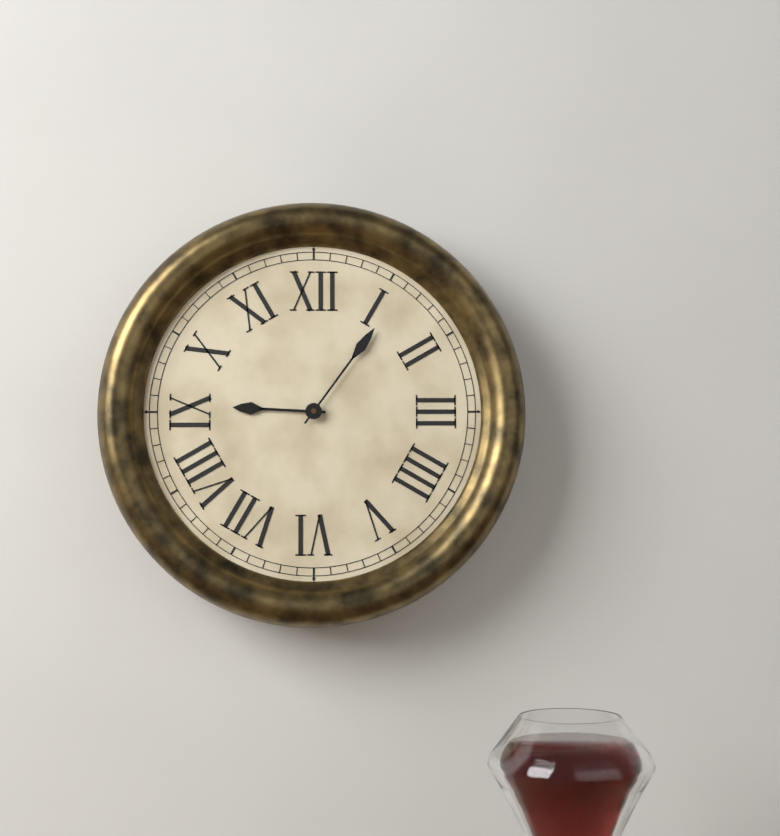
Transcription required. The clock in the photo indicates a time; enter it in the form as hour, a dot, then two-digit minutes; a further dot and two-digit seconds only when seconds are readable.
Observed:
9.06
